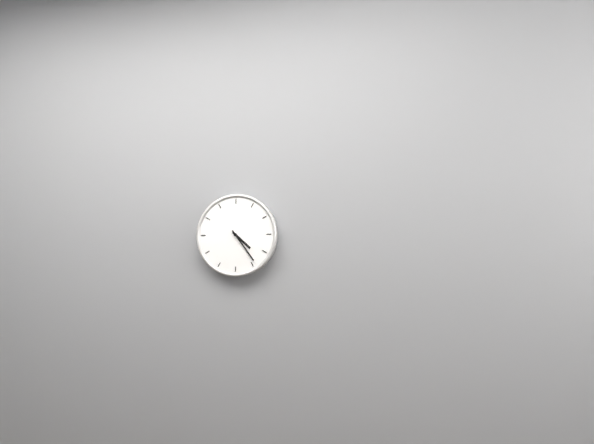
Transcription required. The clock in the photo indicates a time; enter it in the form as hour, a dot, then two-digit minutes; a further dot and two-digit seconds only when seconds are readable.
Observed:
4.24
